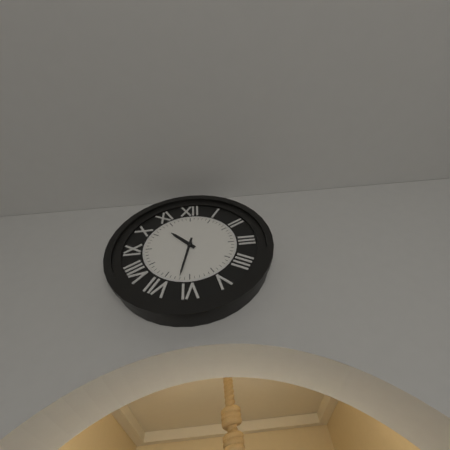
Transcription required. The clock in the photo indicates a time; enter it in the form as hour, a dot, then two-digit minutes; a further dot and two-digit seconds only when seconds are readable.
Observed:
10.32
